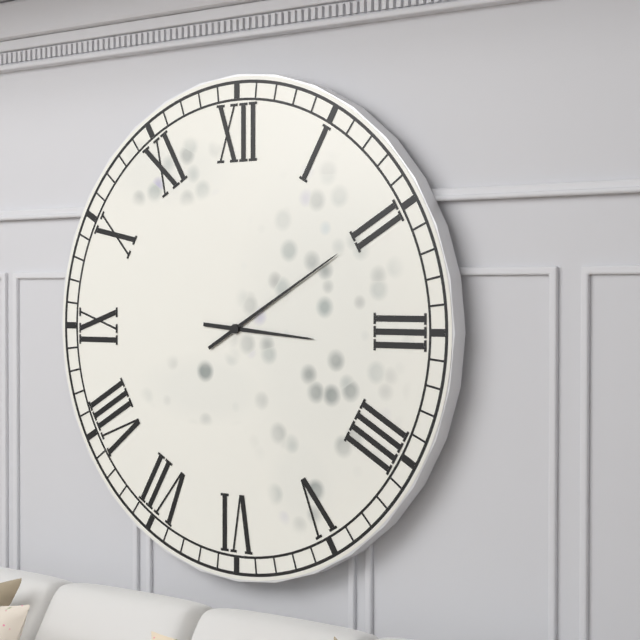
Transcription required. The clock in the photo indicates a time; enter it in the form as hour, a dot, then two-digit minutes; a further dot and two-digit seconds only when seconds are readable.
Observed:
3.10
